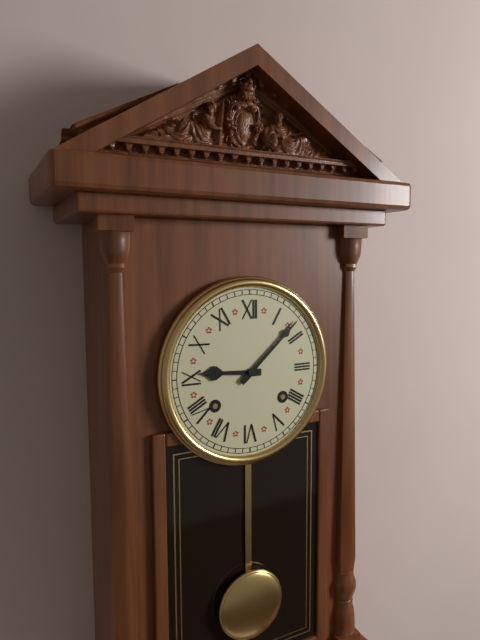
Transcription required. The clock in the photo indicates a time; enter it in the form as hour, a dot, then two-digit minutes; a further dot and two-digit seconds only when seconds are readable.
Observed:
9.08
